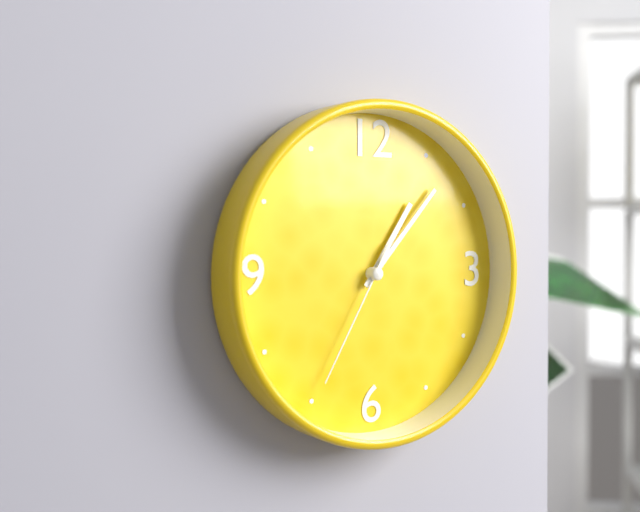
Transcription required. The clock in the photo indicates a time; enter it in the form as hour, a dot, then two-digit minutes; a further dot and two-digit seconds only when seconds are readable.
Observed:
1.07.35
